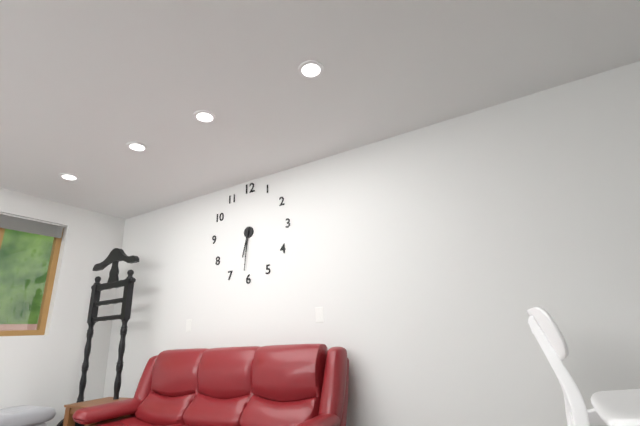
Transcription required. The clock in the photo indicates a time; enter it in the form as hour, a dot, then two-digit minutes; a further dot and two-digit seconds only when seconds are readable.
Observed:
6.31
